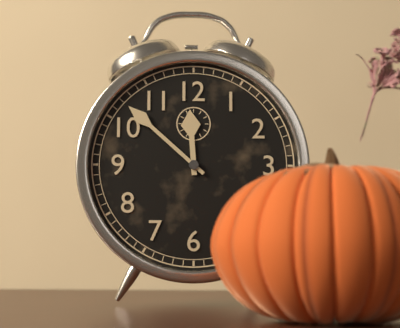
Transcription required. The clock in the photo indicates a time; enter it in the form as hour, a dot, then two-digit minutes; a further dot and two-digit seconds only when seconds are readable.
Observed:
11.52
